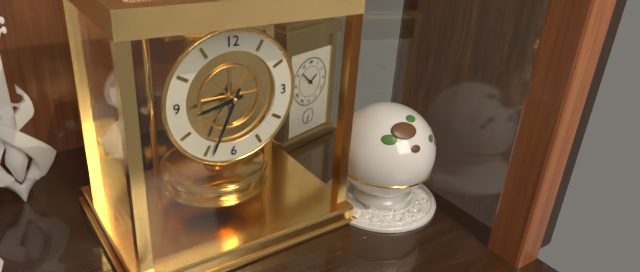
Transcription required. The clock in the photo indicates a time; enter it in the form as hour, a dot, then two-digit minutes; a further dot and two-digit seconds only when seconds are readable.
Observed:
8.34
